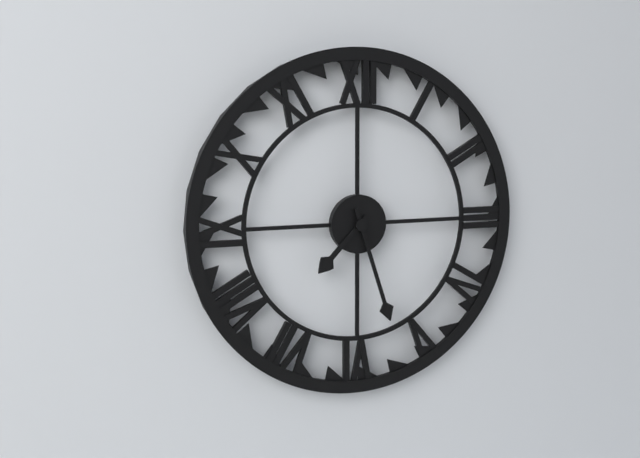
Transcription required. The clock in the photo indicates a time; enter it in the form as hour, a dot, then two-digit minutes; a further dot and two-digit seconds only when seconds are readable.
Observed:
7.27
